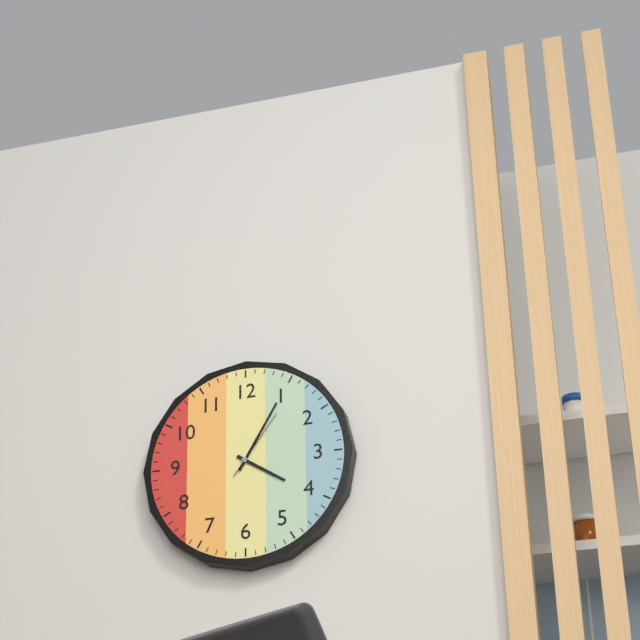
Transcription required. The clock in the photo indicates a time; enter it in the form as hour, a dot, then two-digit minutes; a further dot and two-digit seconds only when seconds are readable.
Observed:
4.05.06
